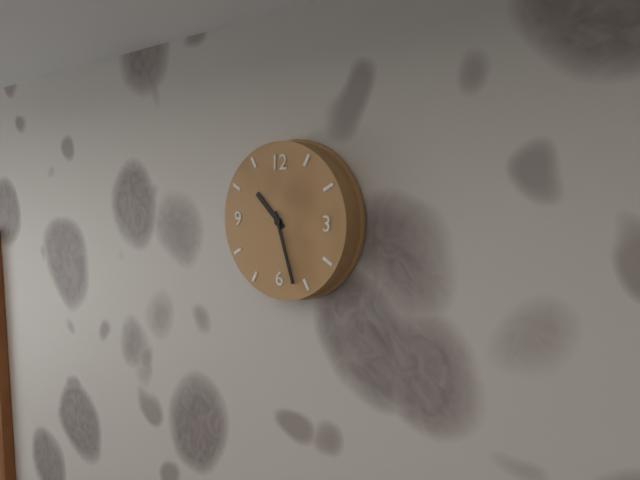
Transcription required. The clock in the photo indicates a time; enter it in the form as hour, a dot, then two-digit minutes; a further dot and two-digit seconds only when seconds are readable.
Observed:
10.27
